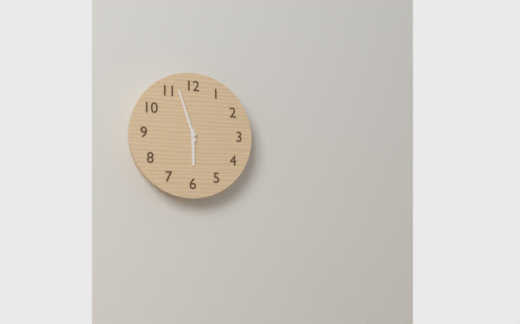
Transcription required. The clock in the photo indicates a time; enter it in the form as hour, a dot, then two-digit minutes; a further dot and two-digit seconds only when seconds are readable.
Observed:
5.57
